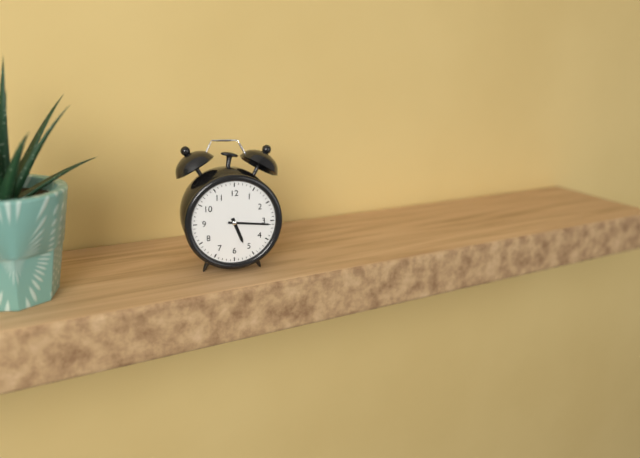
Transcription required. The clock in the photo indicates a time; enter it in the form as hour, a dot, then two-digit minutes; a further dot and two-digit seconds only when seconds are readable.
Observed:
5.16
